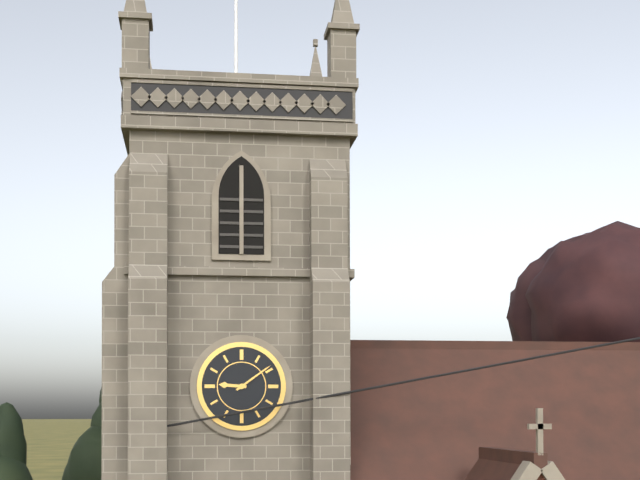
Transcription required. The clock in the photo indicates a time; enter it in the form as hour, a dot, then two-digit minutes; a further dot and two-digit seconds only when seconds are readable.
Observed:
9.09
